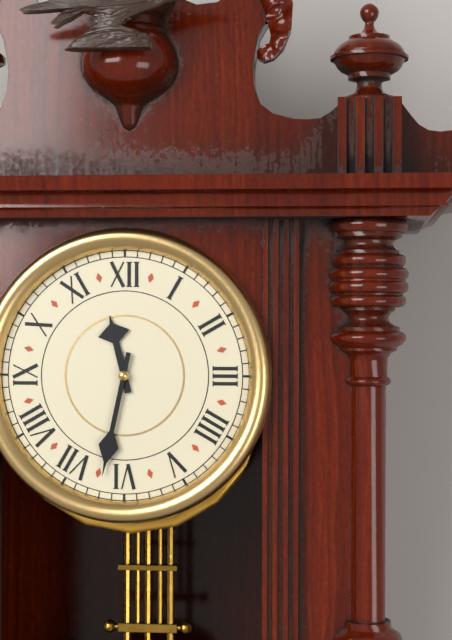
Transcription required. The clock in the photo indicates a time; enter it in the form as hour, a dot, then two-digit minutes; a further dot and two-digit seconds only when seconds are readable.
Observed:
11.32
